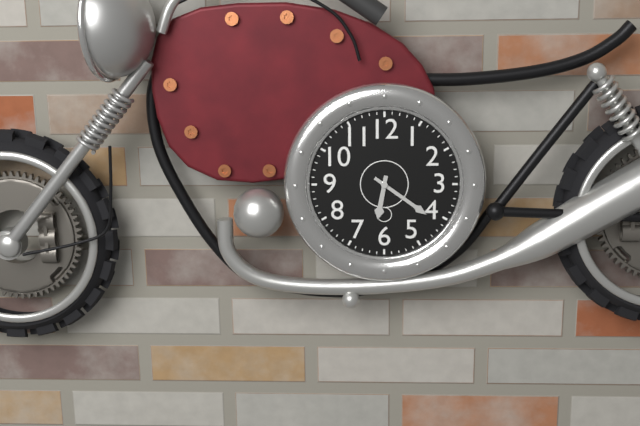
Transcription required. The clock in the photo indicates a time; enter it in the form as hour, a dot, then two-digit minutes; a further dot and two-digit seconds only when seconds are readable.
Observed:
6.21
